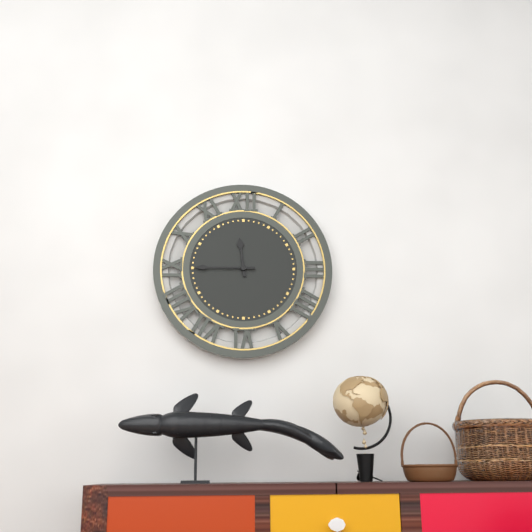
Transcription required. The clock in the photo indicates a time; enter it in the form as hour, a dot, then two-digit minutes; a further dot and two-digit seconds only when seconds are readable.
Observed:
11.45
